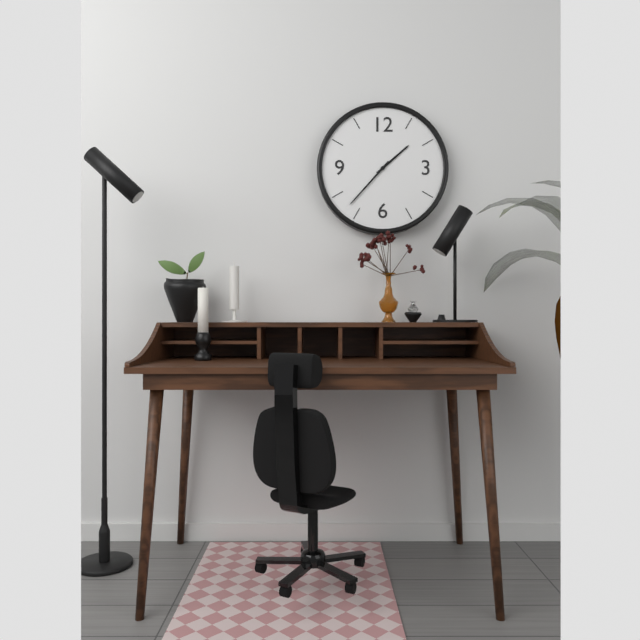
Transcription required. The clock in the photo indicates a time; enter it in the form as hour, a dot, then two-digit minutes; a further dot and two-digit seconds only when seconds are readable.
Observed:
1.37
